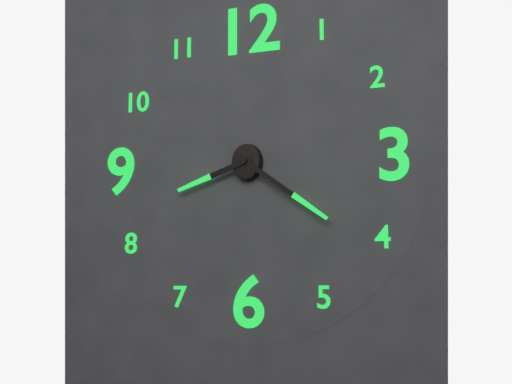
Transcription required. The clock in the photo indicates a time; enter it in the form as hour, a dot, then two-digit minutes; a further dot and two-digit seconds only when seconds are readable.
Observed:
8.21
